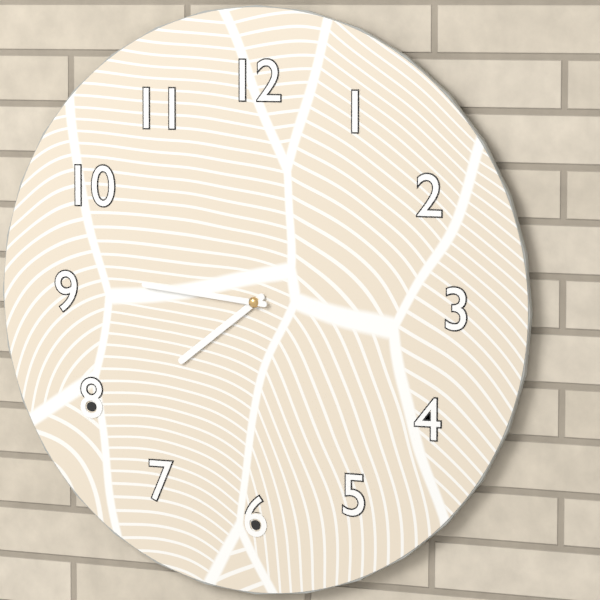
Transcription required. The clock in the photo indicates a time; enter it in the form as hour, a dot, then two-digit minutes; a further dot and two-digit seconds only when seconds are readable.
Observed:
7.46
